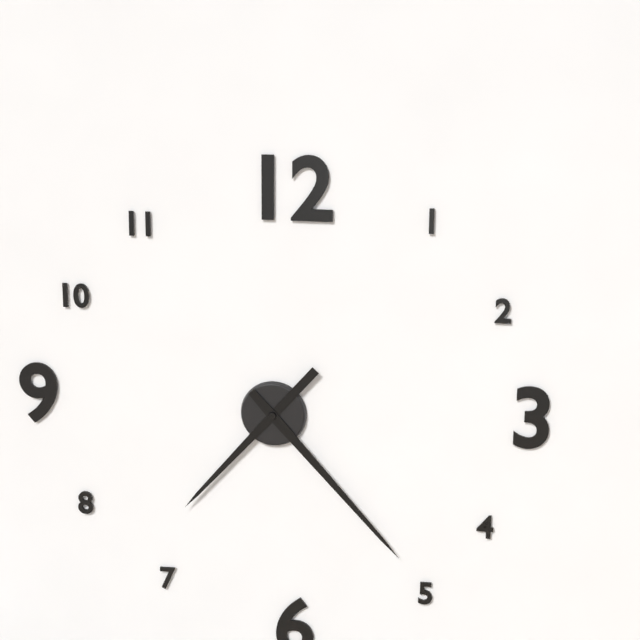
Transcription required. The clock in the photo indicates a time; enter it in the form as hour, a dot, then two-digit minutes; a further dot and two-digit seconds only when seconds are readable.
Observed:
7.23
